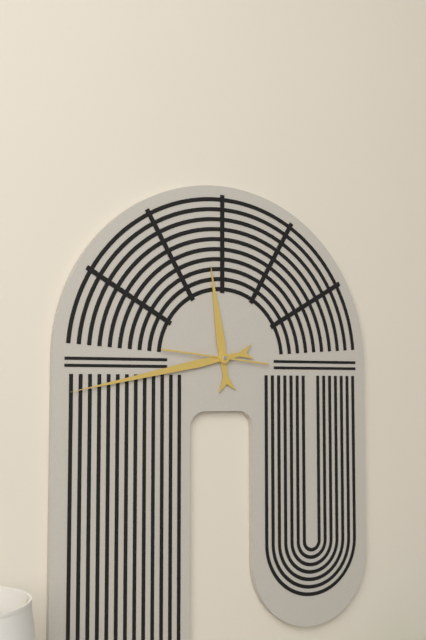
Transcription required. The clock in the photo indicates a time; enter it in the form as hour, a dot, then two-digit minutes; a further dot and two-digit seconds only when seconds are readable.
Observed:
11.43.46
